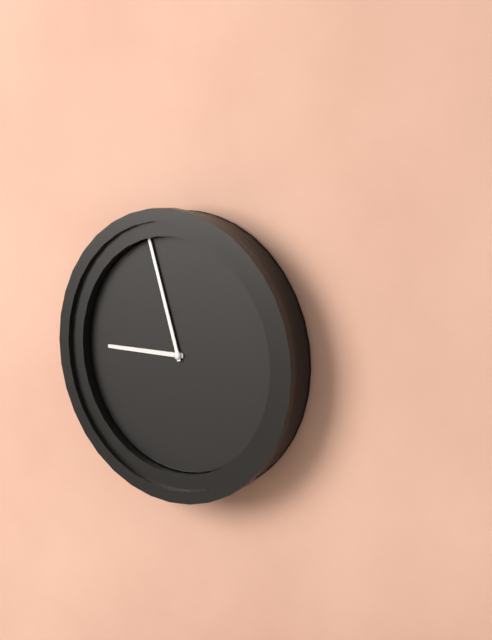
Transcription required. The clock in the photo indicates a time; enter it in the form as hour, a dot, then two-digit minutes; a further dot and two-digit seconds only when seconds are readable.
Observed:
8.57
